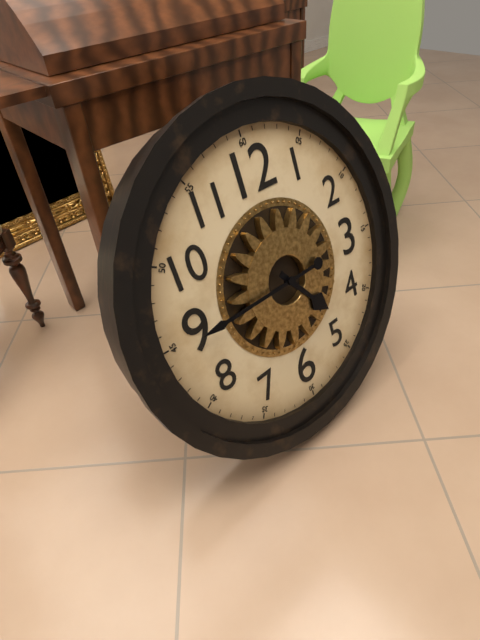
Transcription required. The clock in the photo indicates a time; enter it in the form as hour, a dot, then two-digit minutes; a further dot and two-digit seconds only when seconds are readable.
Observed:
4.45
